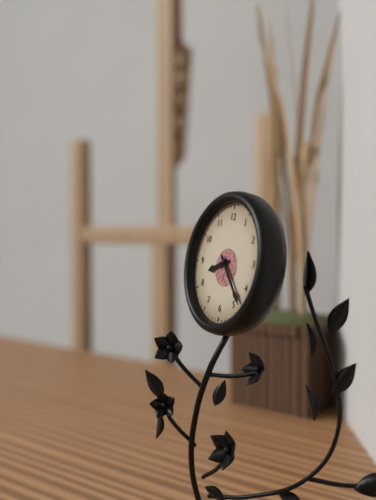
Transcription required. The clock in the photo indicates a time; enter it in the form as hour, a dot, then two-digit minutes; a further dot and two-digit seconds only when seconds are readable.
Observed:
8.23
